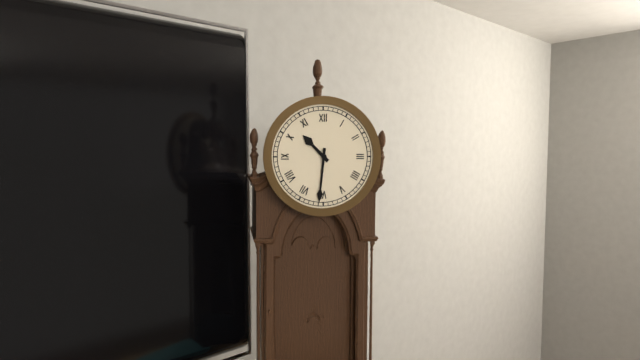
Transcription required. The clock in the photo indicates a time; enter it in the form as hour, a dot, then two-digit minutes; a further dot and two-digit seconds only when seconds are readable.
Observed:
10.31
